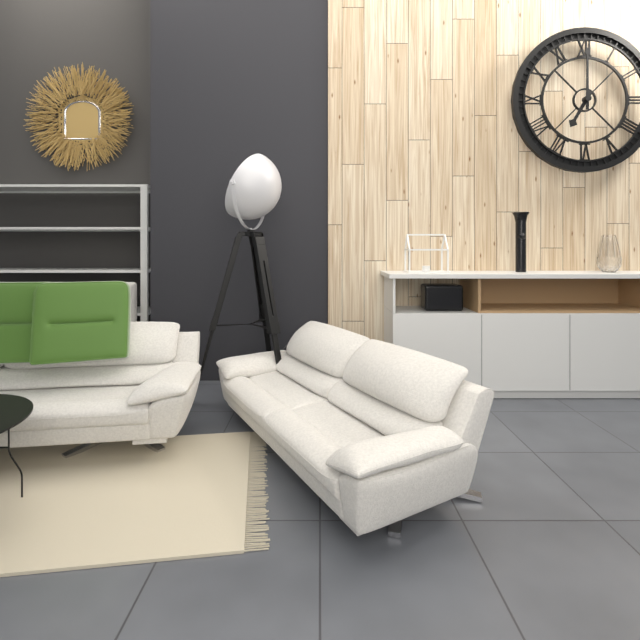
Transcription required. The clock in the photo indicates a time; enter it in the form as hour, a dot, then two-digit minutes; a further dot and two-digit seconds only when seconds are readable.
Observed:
7.00
